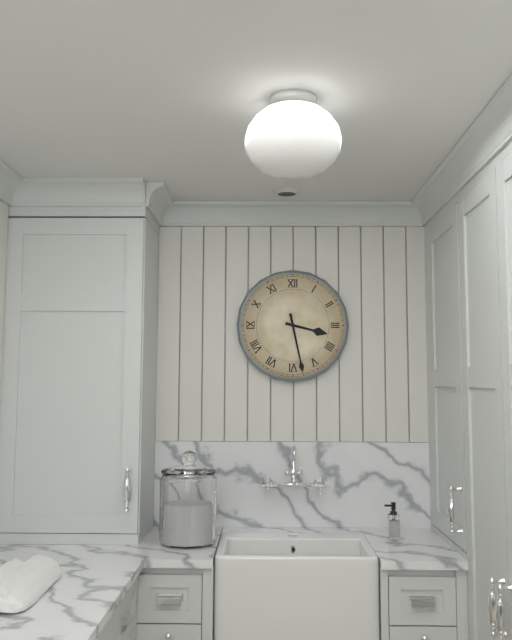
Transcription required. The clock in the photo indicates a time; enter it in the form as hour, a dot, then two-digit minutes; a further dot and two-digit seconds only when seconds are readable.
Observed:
3.28
